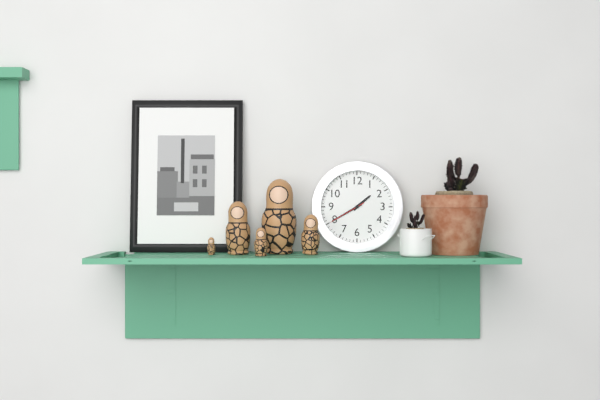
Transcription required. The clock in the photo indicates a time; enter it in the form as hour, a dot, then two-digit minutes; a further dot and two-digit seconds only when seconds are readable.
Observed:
1.40
